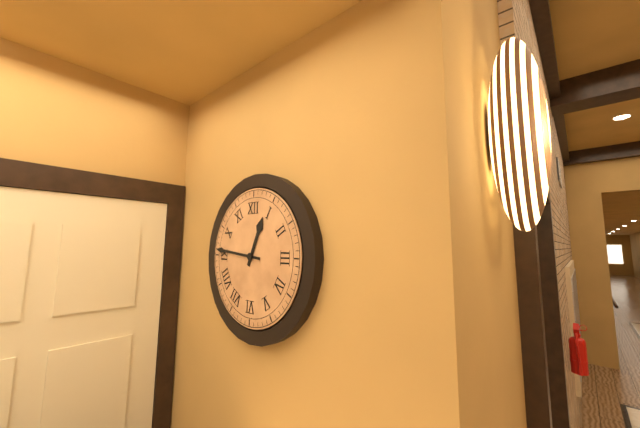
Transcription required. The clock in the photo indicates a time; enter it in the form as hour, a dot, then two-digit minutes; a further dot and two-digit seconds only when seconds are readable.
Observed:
12.46
